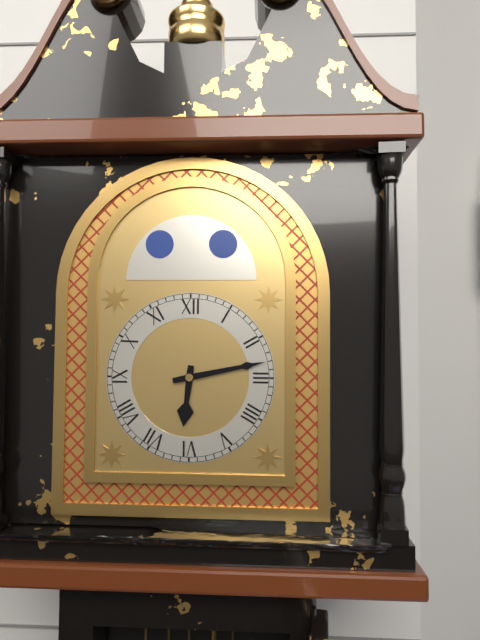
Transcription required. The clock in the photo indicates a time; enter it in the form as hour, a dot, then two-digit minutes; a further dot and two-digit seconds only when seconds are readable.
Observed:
6.13
